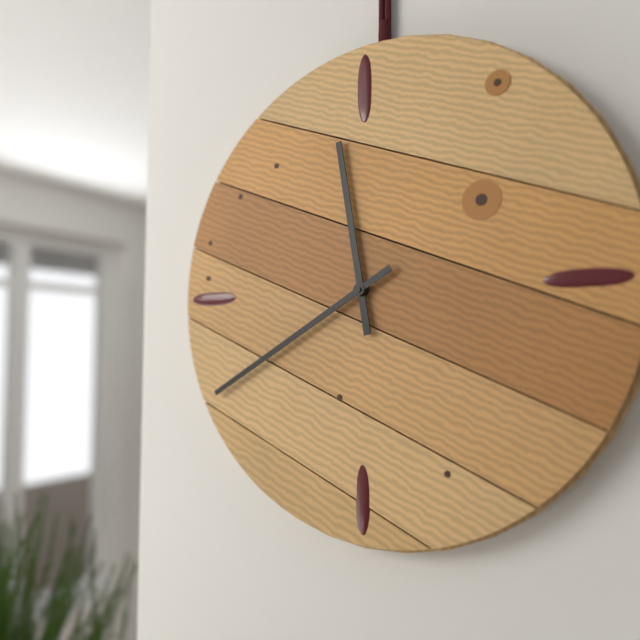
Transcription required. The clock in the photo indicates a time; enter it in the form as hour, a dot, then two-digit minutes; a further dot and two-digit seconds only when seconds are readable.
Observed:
11.40
